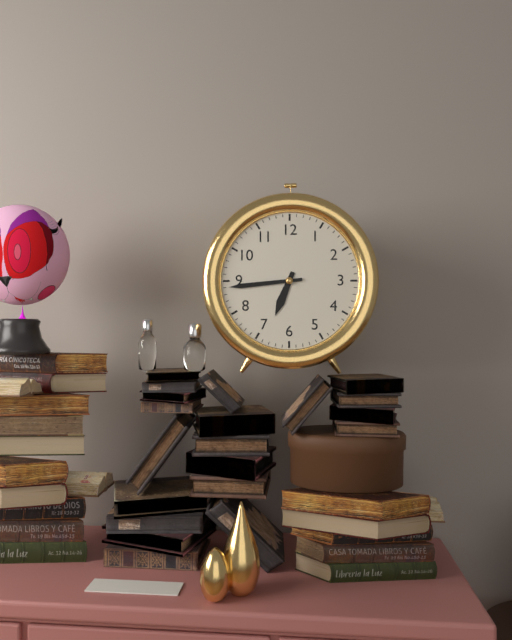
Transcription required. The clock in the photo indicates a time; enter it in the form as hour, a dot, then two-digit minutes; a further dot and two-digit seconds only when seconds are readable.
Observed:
6.44
